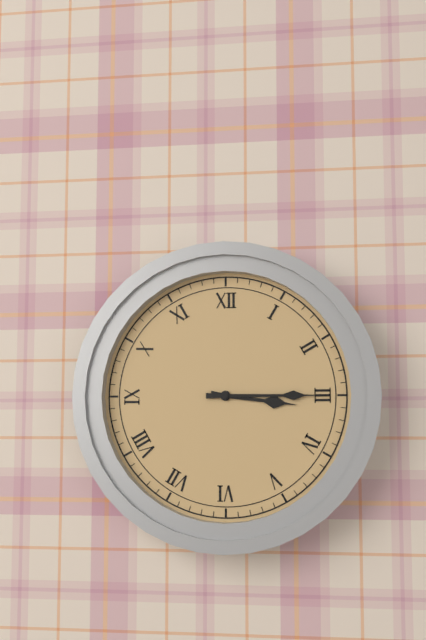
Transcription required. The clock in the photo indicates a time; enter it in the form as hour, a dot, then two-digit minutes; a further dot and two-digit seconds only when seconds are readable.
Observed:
3.15
